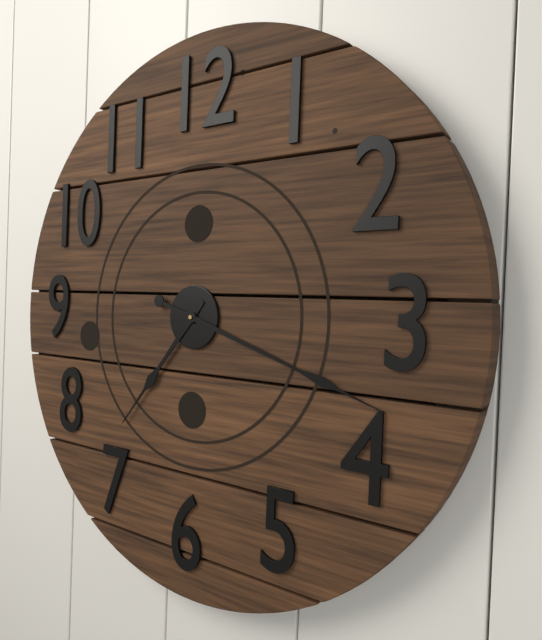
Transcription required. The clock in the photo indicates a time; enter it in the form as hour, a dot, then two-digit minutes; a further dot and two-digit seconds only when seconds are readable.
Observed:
7.18
